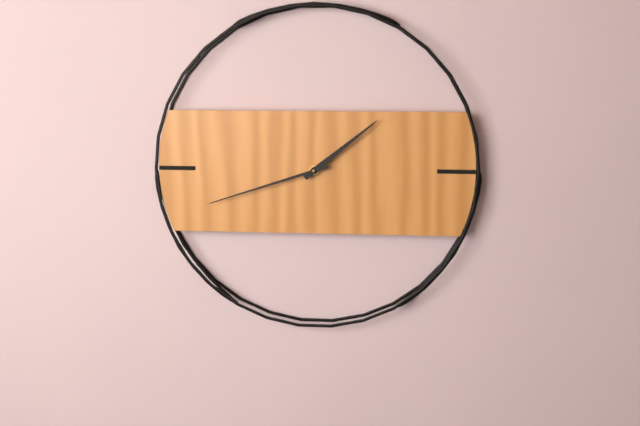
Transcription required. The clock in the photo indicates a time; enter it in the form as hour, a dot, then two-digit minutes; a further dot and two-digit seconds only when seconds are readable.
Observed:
1.42
